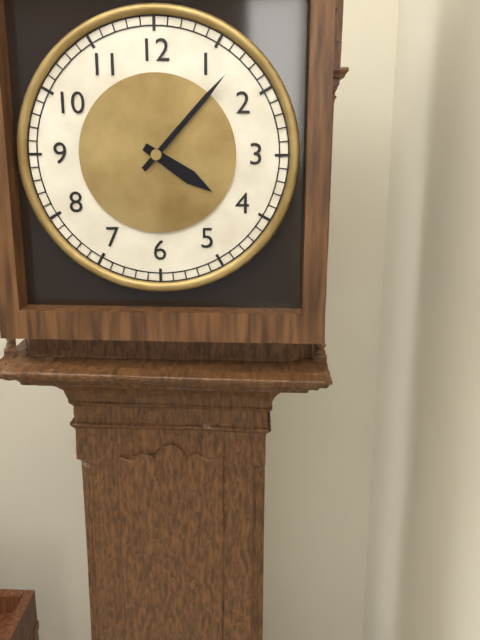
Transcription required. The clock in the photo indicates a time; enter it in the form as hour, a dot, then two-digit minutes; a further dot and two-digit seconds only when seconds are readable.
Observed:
4.07
